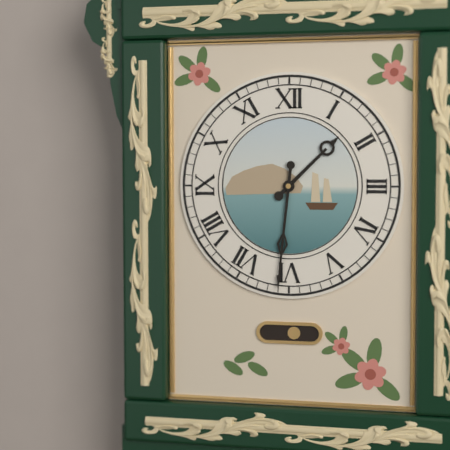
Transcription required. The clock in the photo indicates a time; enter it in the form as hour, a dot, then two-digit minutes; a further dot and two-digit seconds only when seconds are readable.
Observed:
1.31
